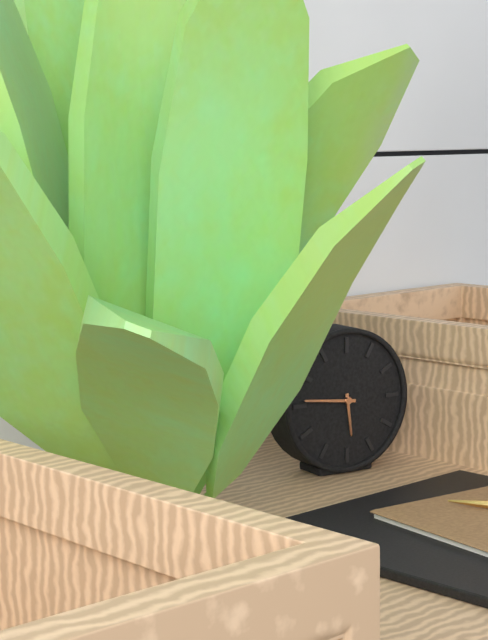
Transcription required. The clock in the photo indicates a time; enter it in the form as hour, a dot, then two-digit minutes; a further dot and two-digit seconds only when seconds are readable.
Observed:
5.46
